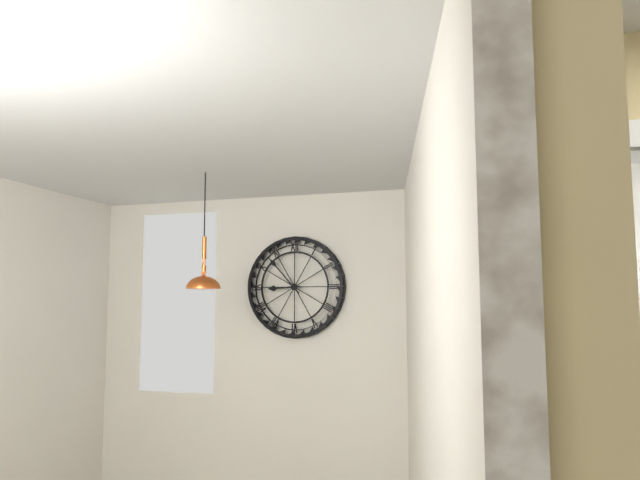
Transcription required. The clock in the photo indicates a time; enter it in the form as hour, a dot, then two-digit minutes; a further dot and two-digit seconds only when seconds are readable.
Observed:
8.53
